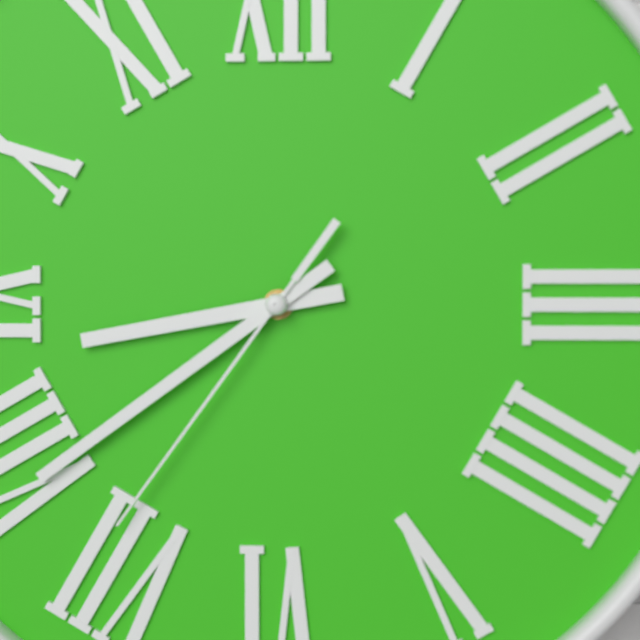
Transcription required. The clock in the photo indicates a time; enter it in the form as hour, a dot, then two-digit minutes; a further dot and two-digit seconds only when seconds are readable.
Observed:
8.39.36
